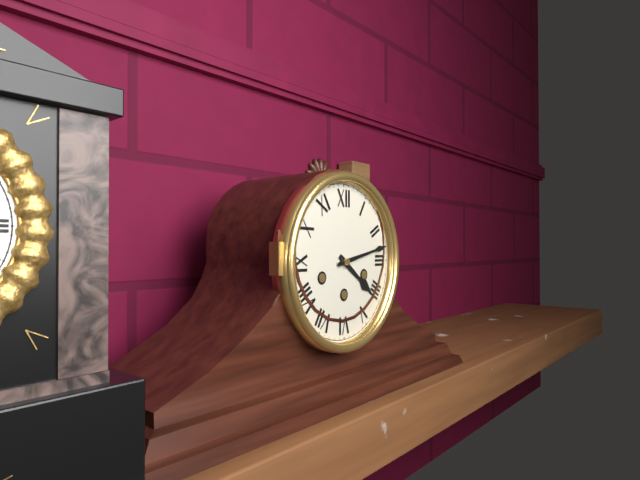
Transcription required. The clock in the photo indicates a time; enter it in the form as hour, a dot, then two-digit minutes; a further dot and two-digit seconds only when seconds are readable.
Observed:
4.13
